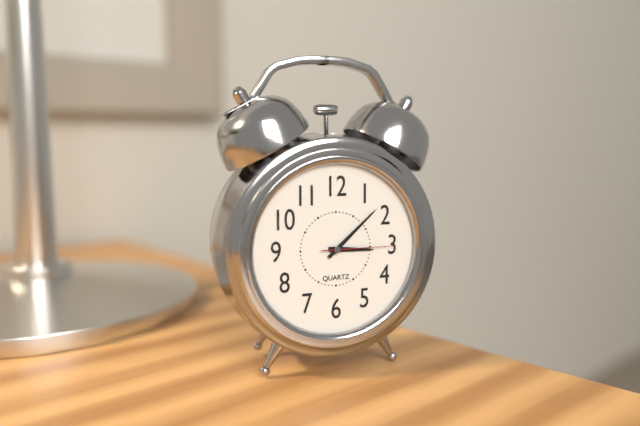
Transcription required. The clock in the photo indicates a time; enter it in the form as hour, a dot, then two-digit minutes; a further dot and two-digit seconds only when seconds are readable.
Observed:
3.08.15
